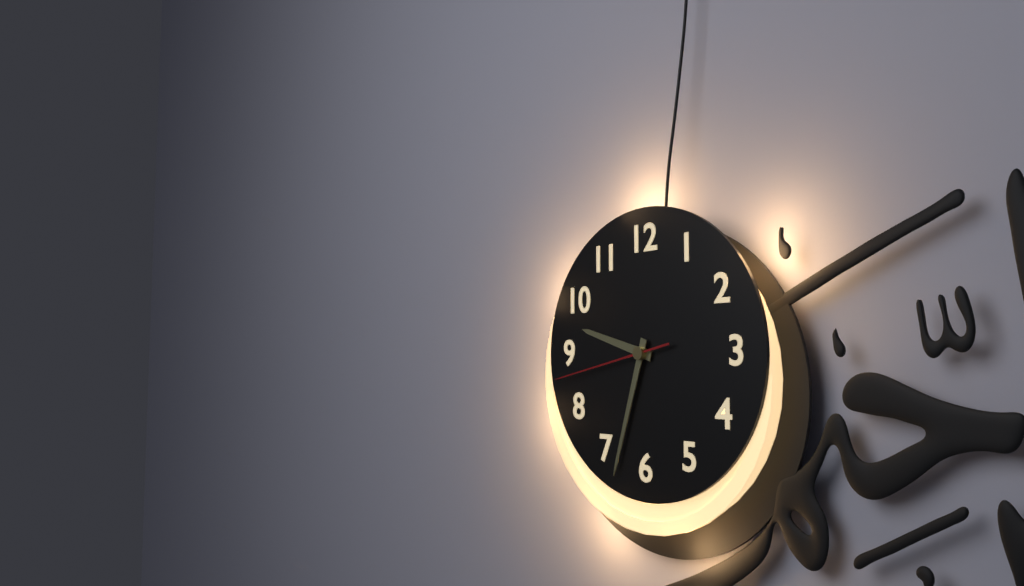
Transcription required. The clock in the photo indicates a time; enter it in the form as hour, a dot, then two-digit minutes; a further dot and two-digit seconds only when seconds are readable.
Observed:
9.33.43
